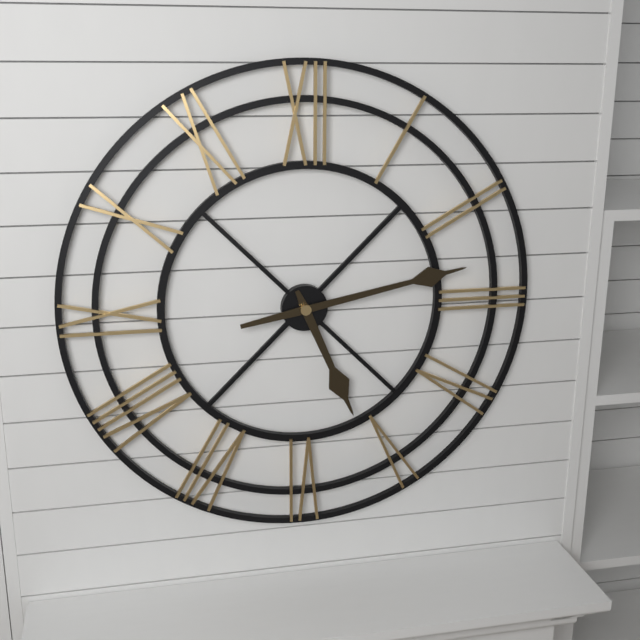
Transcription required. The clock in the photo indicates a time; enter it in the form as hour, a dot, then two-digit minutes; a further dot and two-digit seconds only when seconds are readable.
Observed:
5.13
